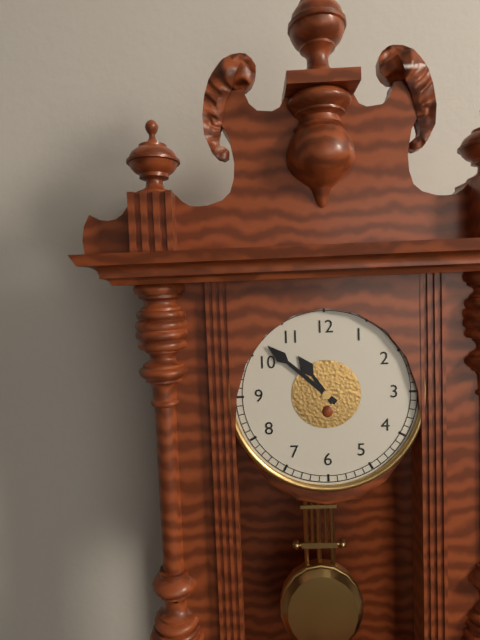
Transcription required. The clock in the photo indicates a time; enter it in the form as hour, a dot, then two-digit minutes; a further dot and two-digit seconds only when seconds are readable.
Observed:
10.52
